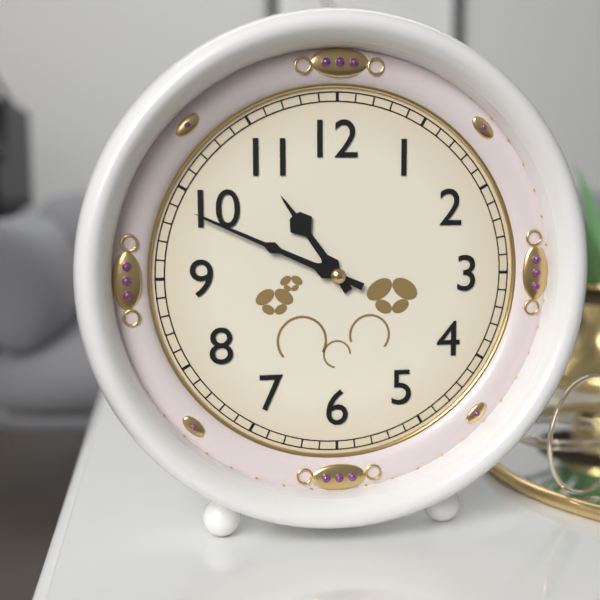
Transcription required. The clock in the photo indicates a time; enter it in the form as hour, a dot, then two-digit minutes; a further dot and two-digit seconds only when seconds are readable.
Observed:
10.49
